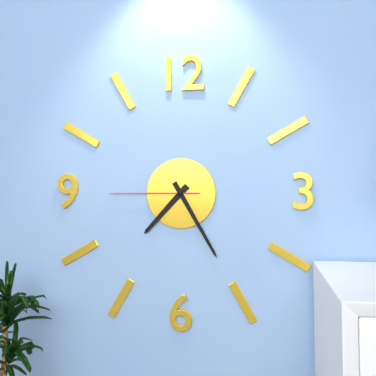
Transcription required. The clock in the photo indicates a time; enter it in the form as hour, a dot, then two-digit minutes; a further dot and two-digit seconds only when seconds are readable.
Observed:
7.25.45
